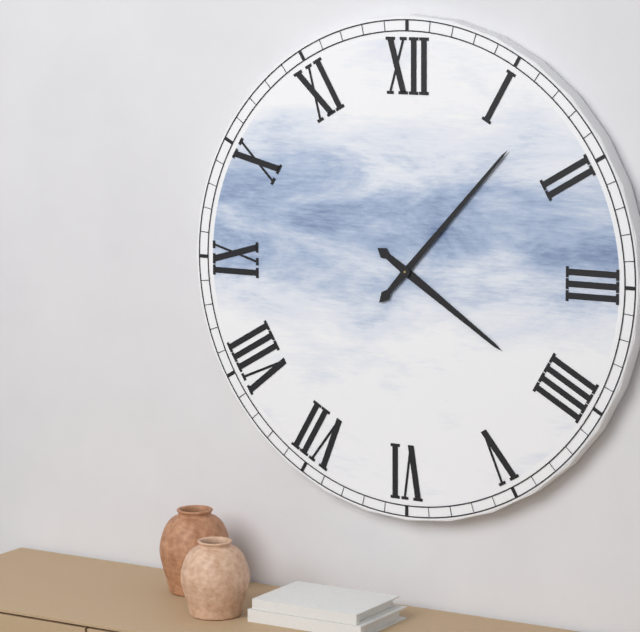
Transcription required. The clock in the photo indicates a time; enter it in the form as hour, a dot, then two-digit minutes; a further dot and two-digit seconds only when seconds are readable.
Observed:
4.07
